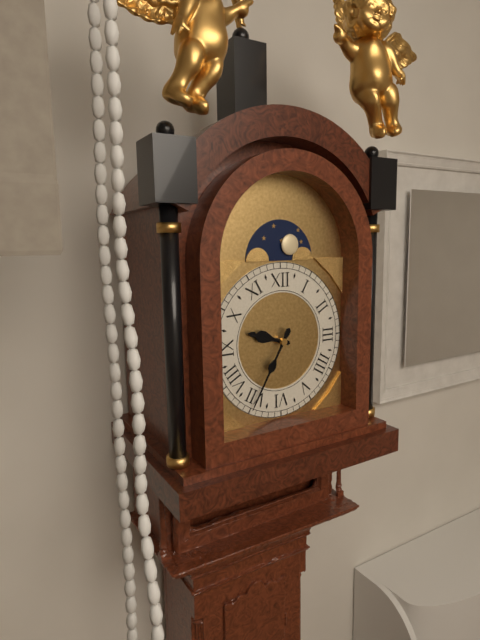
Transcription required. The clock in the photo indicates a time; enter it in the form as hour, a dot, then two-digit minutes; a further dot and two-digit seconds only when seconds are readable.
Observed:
9.35
